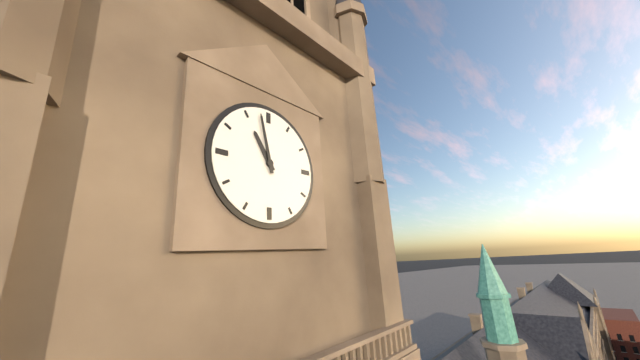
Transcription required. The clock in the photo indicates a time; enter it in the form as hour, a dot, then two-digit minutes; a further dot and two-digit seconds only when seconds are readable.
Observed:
10.58
